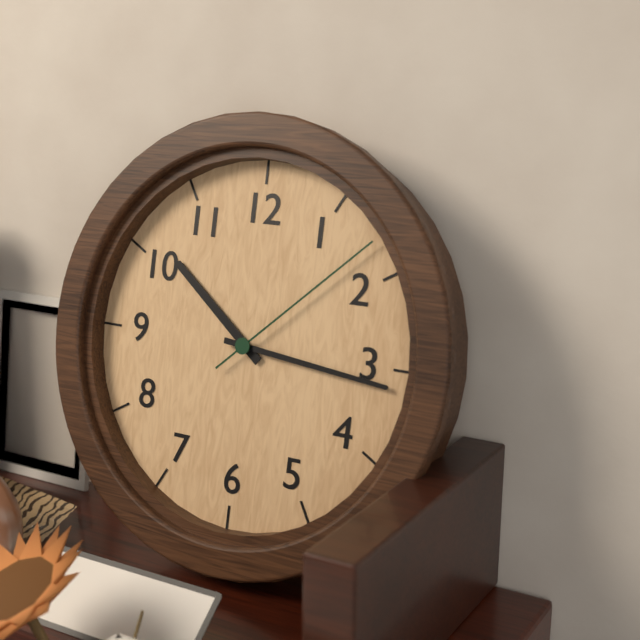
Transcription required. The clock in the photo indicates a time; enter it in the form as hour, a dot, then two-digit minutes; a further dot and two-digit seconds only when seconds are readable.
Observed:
10.16.08
